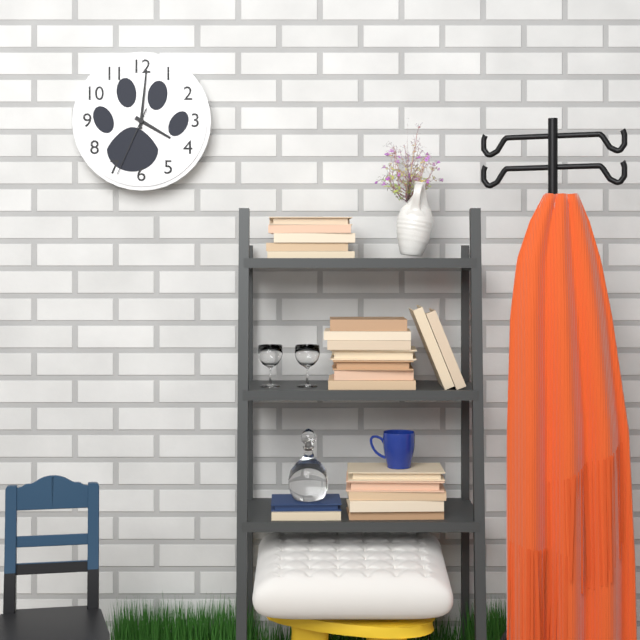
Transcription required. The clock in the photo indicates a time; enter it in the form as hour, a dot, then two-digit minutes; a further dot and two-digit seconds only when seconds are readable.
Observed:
4.01.34
